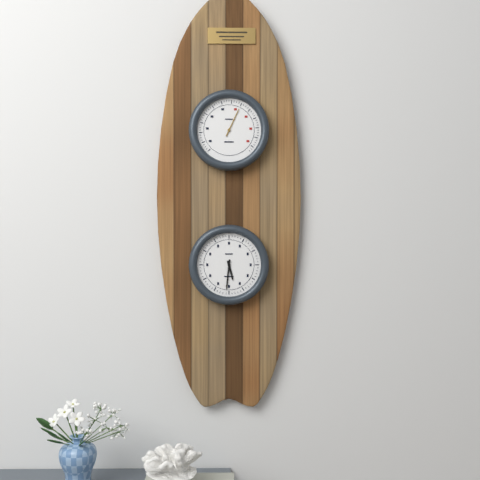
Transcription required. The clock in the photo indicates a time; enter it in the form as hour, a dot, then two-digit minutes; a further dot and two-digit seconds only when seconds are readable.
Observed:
5.31
